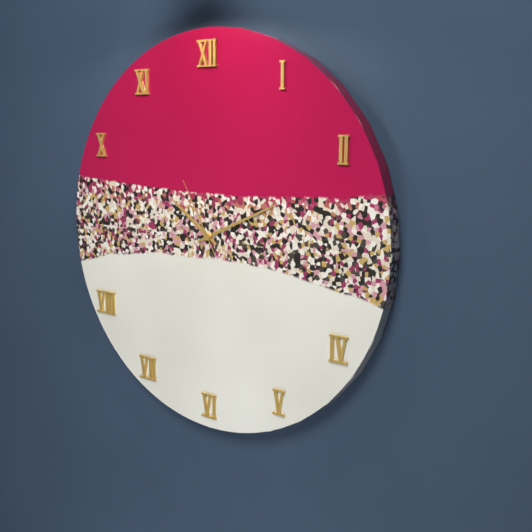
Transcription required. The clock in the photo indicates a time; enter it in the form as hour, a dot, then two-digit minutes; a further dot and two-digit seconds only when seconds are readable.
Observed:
10.11.55
